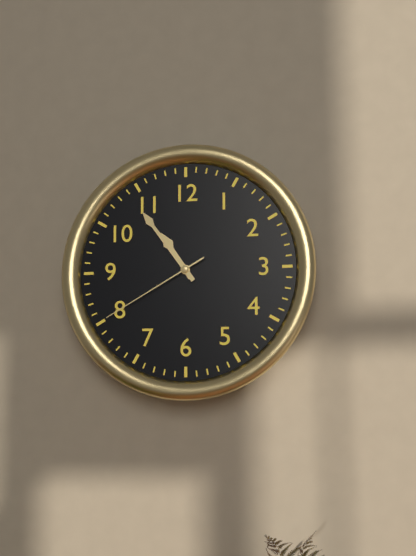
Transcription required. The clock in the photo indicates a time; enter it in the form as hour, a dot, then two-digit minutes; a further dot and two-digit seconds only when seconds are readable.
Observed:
10.54.40
